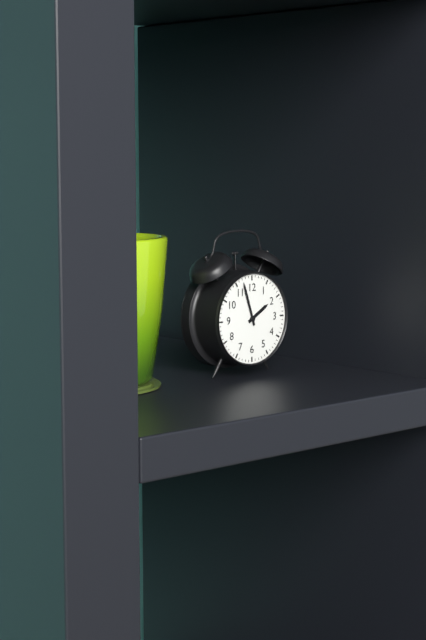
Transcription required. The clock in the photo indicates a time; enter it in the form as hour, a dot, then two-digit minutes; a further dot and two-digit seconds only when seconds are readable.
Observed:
1.57
